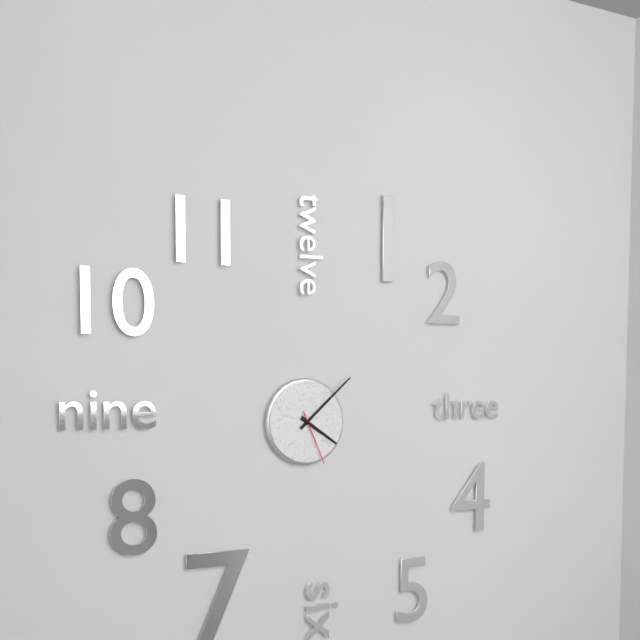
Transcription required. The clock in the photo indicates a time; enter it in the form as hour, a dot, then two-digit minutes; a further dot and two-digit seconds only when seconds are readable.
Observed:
4.08.26
